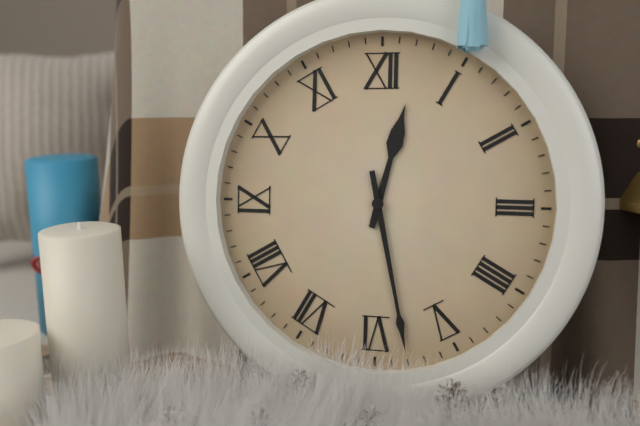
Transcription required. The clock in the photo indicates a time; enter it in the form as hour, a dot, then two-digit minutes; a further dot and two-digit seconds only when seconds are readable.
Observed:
12.28
